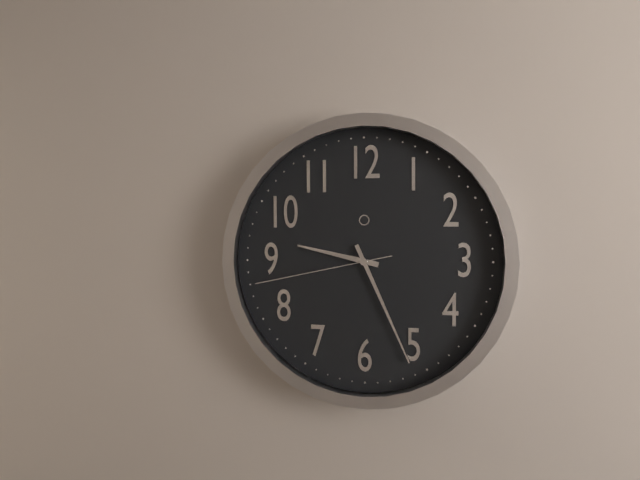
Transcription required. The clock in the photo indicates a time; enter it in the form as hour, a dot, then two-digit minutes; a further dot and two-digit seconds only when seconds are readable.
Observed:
9.26.43
